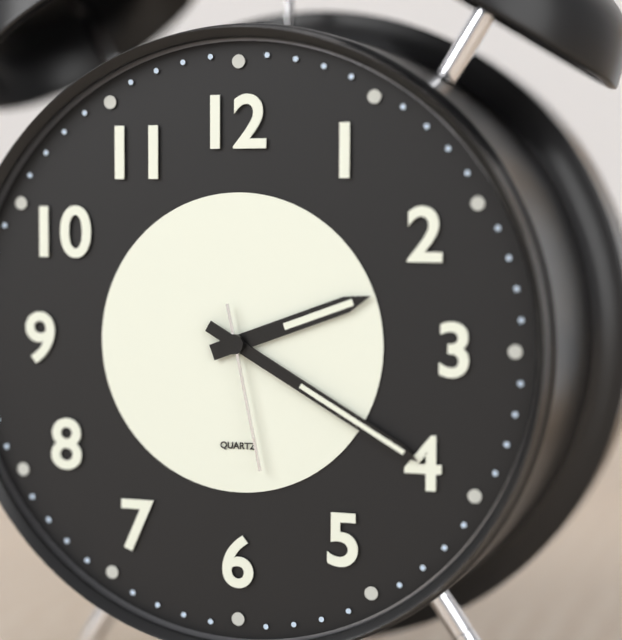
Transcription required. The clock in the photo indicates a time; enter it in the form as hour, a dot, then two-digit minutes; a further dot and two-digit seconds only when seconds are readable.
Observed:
2.20.28
